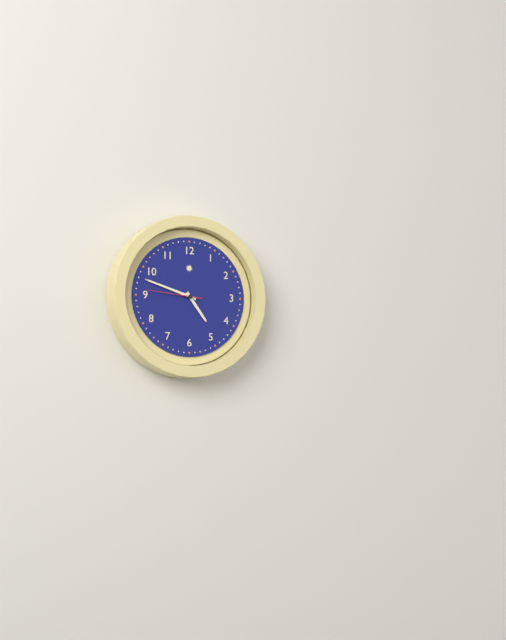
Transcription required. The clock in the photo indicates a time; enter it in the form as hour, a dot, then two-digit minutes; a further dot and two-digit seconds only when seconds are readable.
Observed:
4.48
